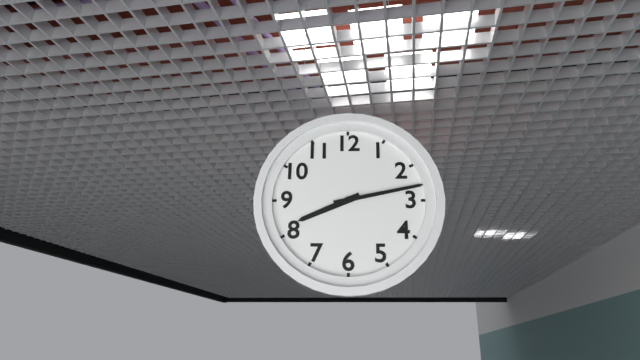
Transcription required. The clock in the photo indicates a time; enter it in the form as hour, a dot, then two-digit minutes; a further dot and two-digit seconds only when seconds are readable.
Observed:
8.13
